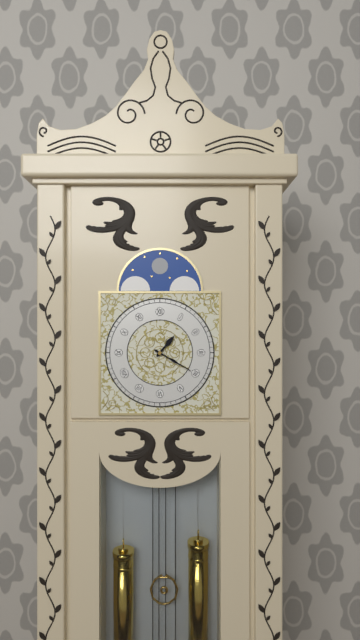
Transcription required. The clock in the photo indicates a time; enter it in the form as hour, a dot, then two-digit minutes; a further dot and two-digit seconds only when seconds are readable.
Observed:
1.20
